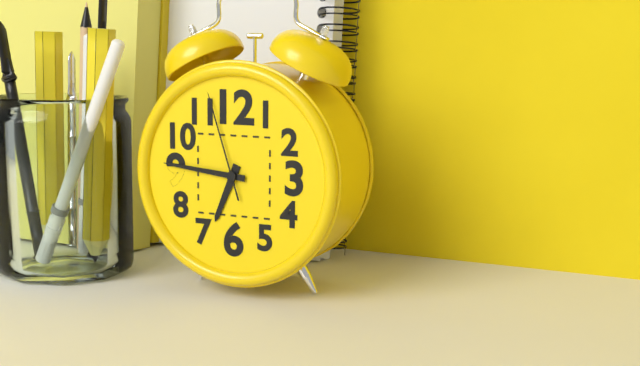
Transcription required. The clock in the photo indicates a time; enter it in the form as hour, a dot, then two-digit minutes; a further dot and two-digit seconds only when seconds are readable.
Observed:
6.46.57
